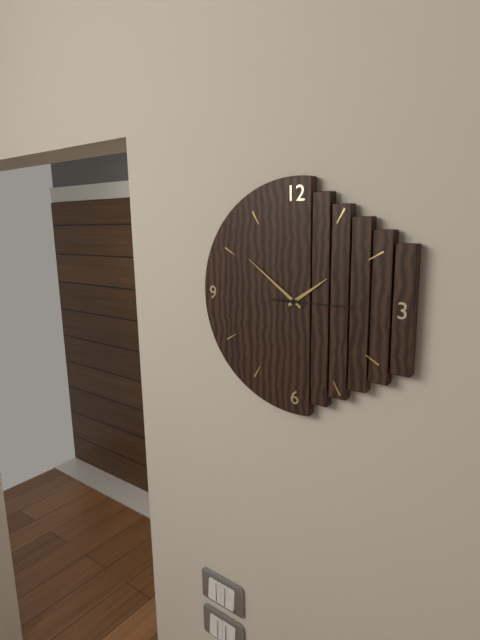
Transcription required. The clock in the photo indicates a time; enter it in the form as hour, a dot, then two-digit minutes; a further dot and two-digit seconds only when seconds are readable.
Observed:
1.51.15
